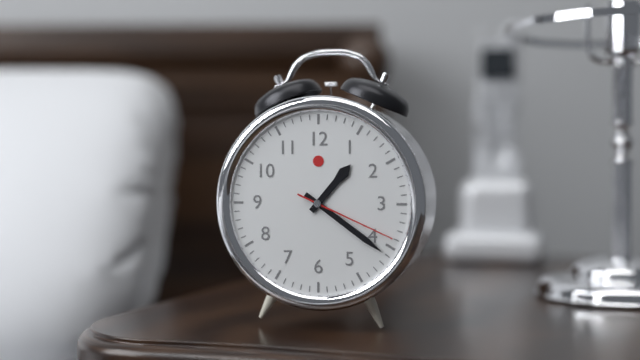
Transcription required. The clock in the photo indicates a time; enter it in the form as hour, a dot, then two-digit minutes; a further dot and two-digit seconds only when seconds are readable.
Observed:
1.21.19
